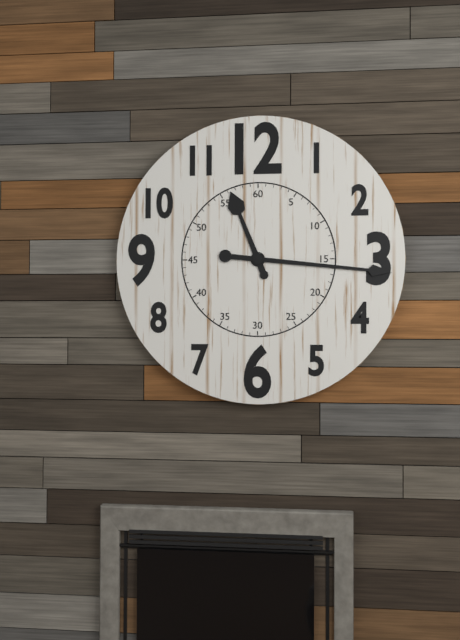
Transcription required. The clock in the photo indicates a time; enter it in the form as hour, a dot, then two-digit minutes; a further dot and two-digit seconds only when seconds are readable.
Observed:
11.16
